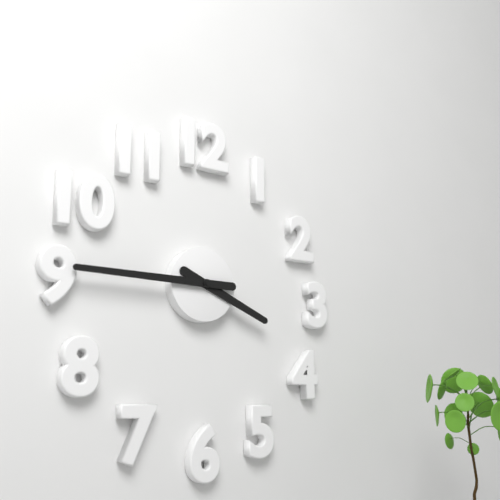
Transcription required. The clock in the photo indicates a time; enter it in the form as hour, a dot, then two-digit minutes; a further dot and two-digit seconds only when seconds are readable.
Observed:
3.45
